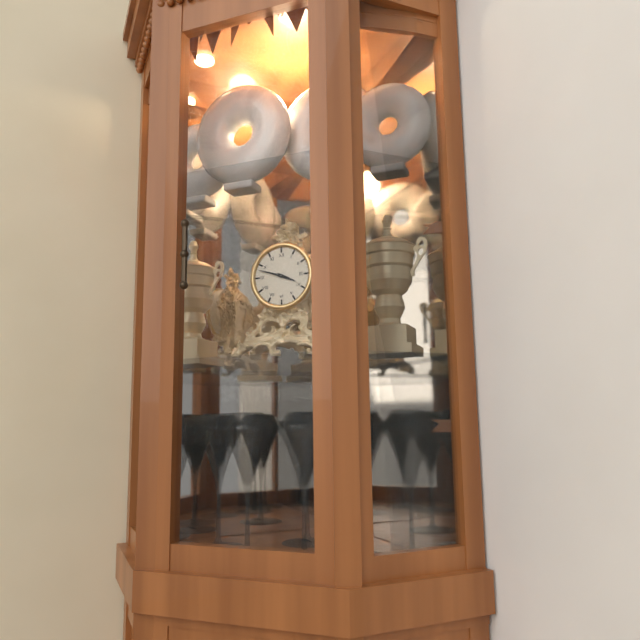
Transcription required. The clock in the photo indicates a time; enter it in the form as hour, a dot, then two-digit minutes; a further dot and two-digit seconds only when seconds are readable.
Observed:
3.48
